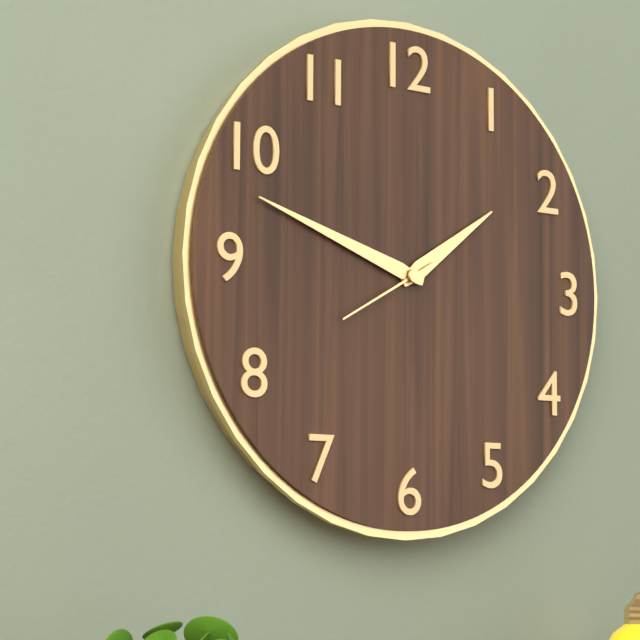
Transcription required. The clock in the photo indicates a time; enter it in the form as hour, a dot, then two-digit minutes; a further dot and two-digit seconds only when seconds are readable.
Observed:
1.48.40
